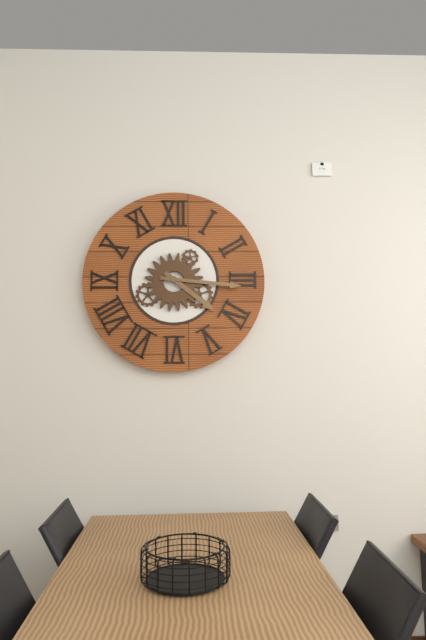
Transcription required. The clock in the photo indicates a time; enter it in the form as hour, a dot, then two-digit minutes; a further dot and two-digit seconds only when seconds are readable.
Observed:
4.16
